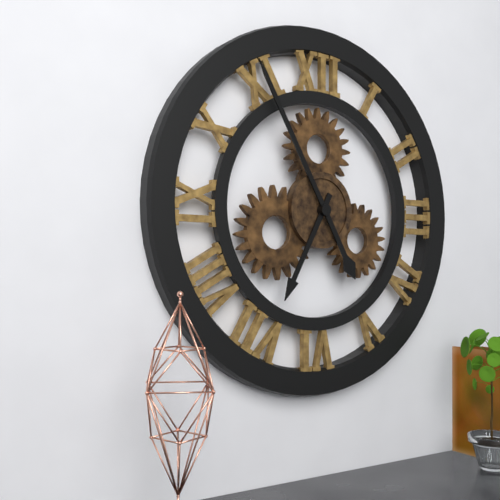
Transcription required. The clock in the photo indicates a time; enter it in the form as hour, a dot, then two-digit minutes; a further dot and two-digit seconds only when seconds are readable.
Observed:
6.55
